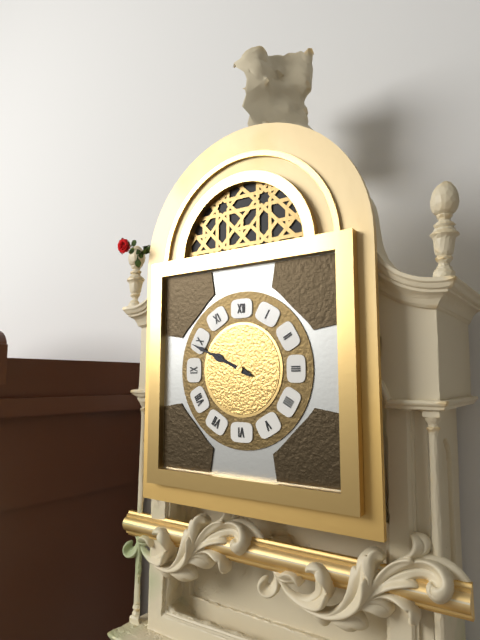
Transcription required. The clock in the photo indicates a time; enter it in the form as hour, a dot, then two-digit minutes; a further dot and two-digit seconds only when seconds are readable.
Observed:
9.49
